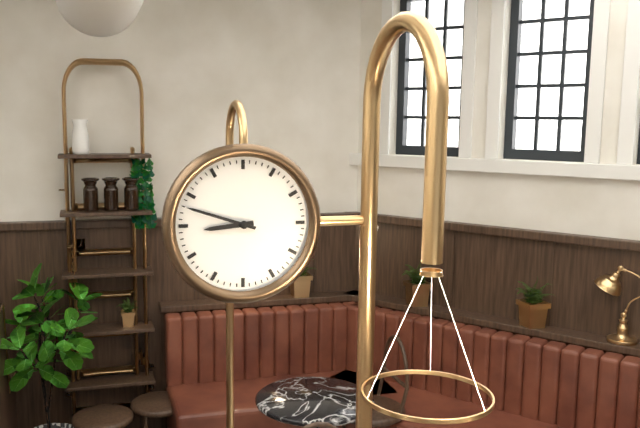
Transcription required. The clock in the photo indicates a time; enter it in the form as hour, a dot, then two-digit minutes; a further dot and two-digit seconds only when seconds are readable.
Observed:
8.48
